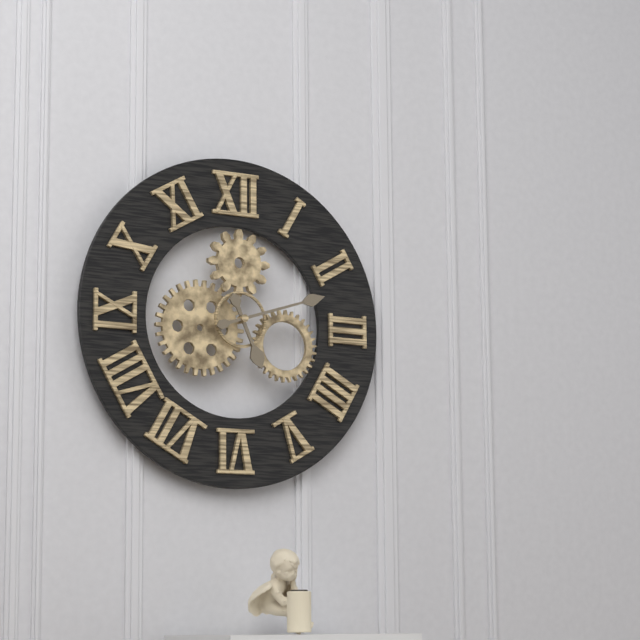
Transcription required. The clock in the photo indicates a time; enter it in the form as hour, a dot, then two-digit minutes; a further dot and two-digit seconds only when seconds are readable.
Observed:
5.12
